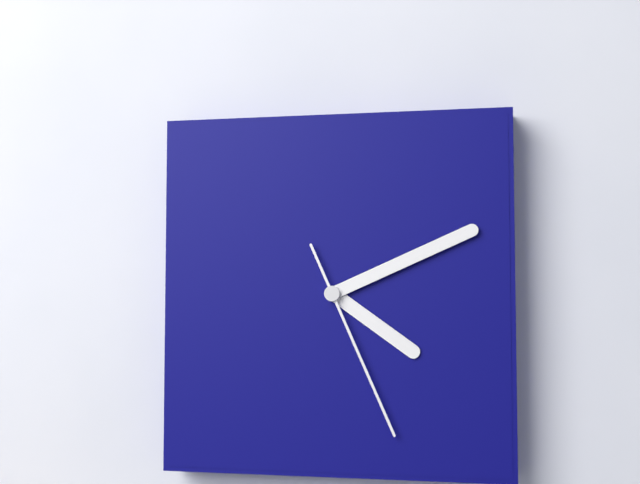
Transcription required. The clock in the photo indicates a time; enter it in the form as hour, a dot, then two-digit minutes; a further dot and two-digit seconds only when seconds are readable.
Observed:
4.11.26
